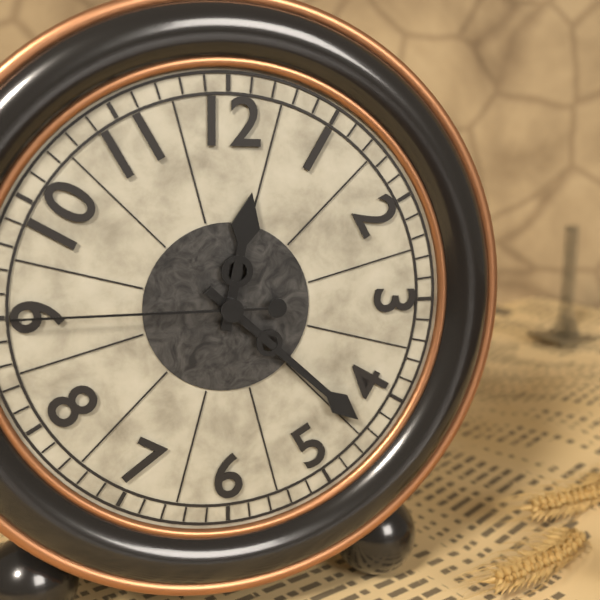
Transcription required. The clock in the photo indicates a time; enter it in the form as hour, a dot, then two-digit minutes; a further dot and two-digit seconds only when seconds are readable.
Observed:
12.22.45
